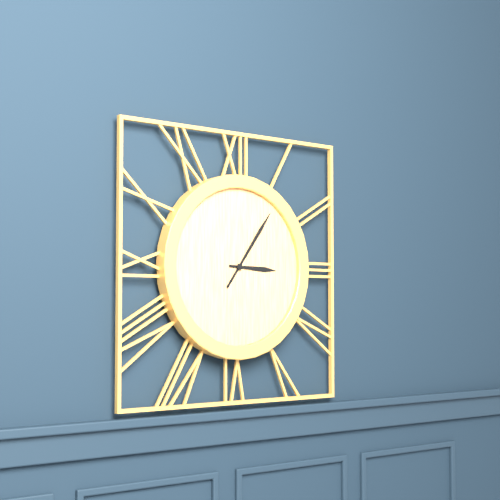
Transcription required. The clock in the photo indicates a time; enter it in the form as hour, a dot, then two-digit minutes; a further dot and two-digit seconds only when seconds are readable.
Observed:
3.06
